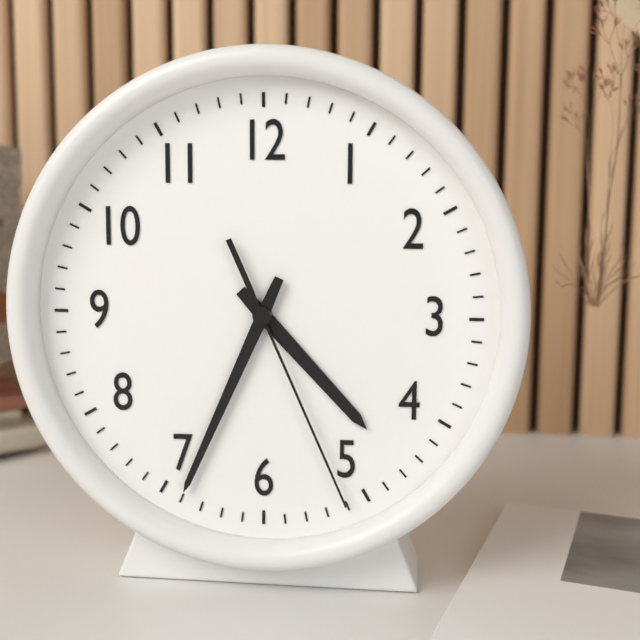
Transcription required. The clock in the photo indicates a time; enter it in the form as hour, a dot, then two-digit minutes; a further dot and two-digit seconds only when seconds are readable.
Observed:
4.34.26
